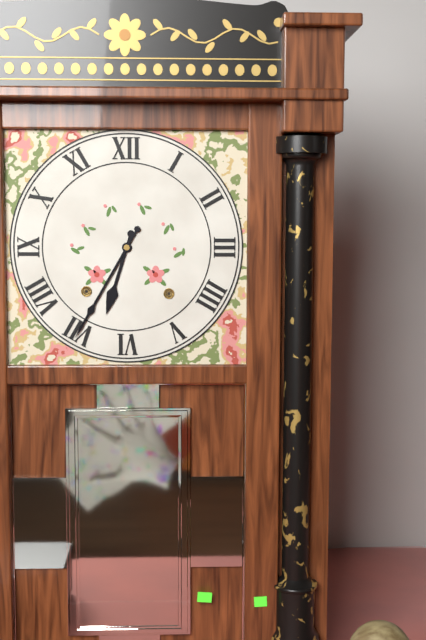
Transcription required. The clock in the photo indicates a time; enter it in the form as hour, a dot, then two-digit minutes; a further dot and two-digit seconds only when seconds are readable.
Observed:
6.35
